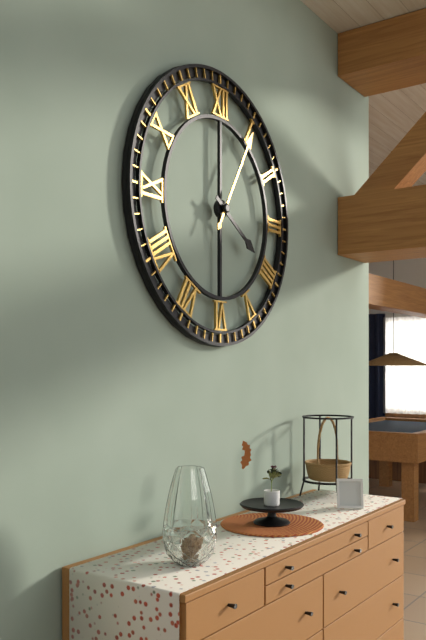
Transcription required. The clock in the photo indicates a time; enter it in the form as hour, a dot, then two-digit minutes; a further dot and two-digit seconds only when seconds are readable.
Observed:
4.05
